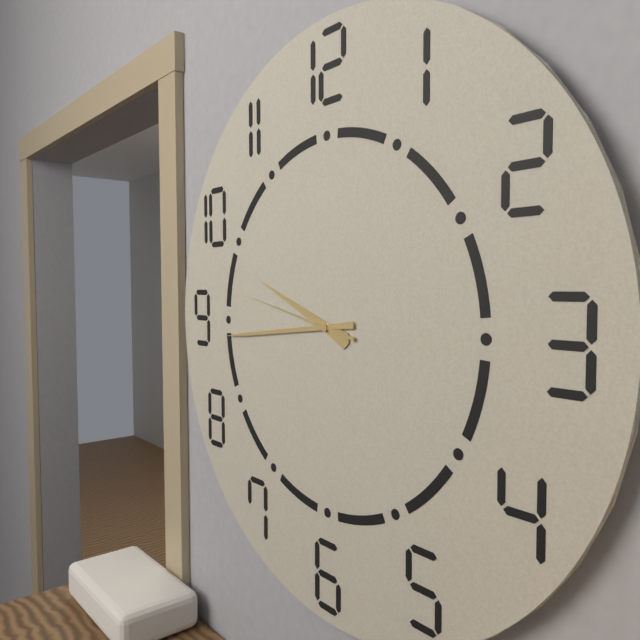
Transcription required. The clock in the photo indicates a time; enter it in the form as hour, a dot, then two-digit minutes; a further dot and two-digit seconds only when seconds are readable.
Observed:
9.44.47
